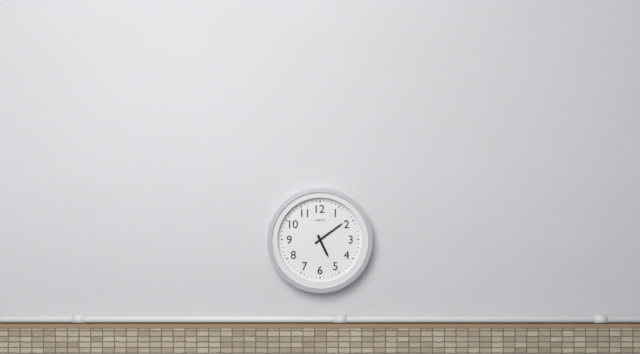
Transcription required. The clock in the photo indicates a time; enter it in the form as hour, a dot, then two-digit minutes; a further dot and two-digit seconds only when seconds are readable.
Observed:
5.09
